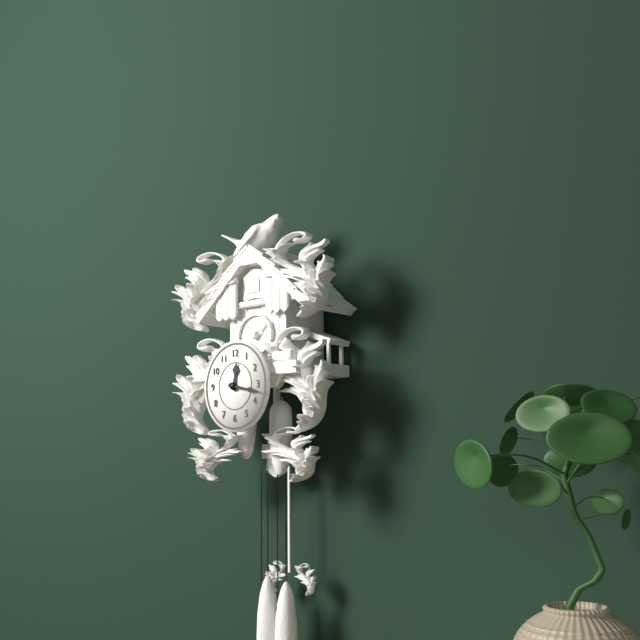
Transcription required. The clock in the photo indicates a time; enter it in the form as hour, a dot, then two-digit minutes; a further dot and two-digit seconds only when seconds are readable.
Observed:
12.17
